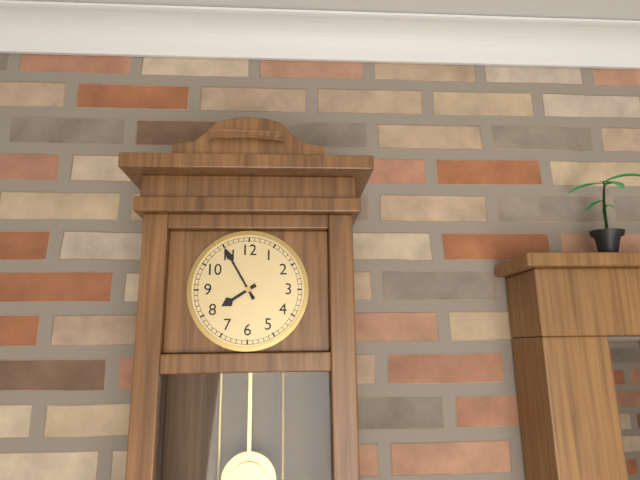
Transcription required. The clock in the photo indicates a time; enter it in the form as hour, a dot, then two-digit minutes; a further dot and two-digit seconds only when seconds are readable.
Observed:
7.55
